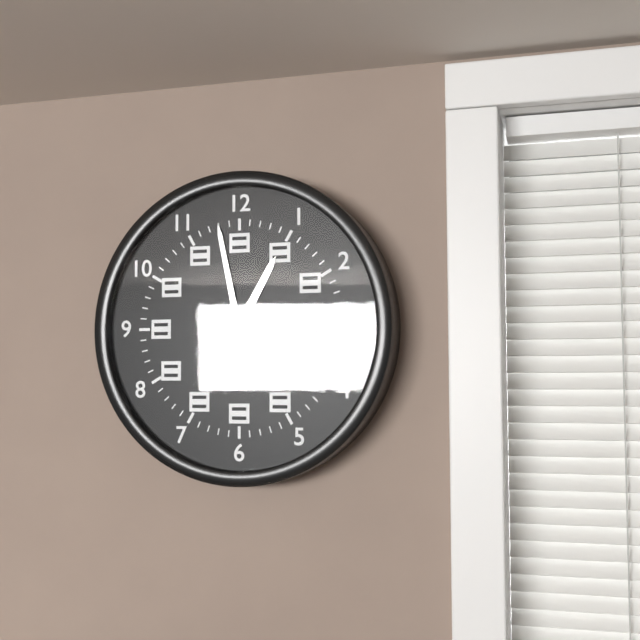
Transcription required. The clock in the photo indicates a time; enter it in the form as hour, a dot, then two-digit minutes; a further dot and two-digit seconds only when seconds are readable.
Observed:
12.58.20
